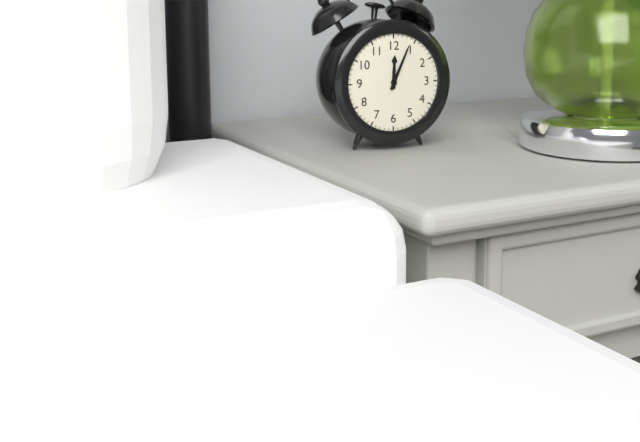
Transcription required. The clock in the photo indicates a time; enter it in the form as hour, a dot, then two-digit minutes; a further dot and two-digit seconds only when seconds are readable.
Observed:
12.04
